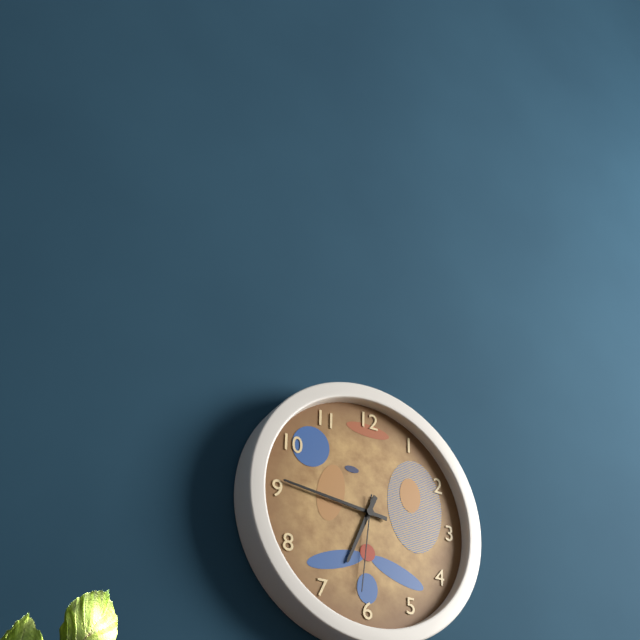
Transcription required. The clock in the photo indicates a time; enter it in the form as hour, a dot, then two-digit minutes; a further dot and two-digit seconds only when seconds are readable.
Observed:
6.46.31
